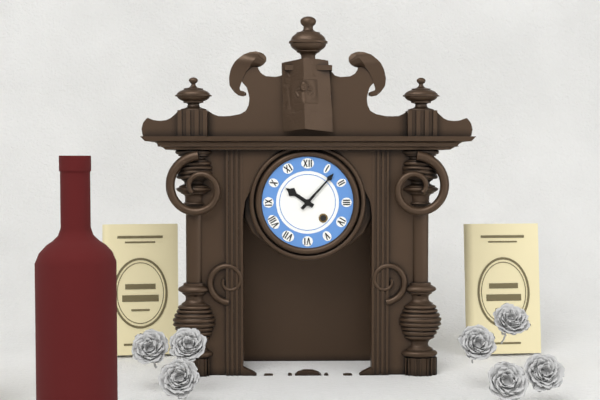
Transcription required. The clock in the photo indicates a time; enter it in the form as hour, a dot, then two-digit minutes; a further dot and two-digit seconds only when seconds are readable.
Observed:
10.07
